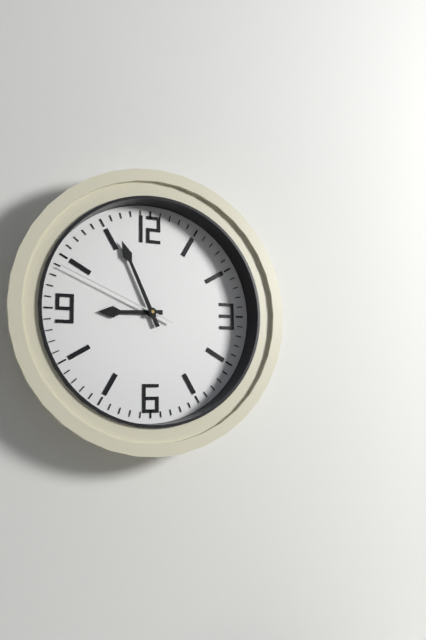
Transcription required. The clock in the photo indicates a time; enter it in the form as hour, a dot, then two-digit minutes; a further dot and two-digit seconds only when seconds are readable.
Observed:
8.56.49
